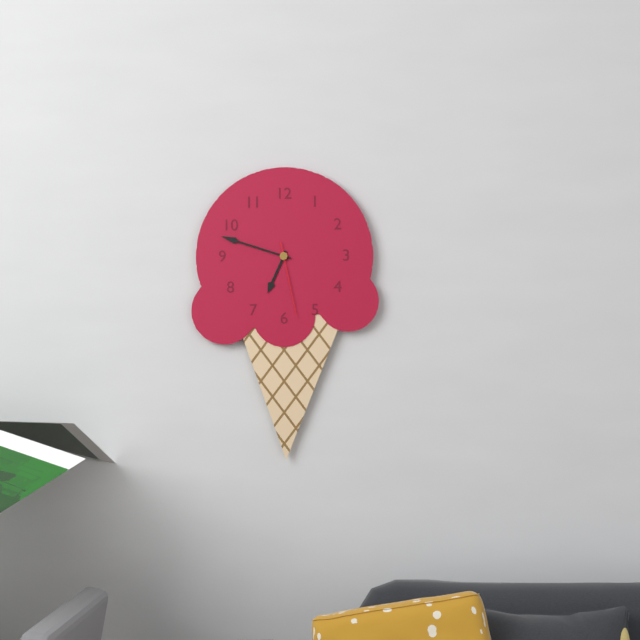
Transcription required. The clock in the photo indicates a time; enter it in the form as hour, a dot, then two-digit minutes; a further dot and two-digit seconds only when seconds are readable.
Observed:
6.48.28
